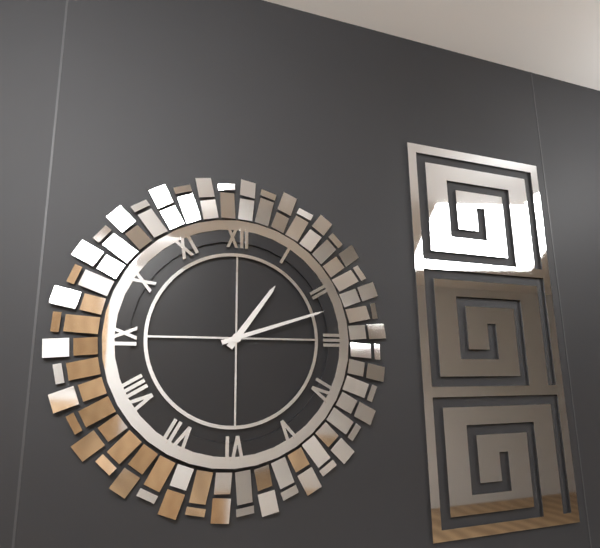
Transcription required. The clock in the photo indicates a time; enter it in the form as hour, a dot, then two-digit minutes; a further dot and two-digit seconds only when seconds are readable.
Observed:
1.12
